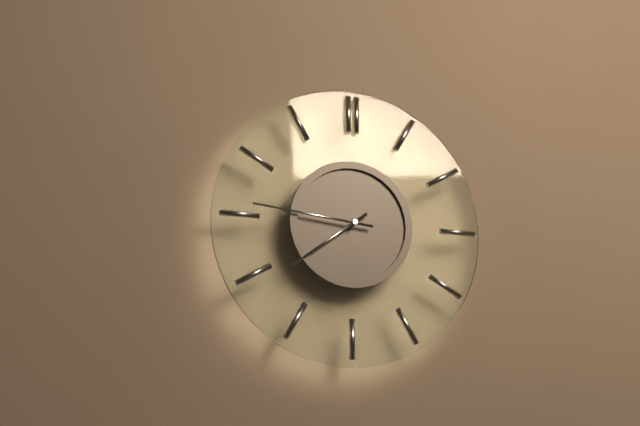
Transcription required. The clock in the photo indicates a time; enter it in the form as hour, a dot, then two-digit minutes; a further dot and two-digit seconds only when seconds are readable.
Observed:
7.46
